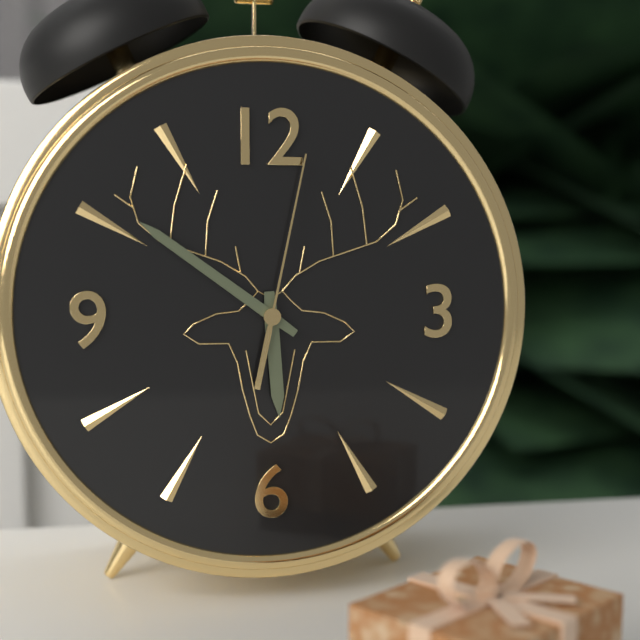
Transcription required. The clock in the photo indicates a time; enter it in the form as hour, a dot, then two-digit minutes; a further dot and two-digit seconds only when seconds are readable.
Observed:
5.51.02
